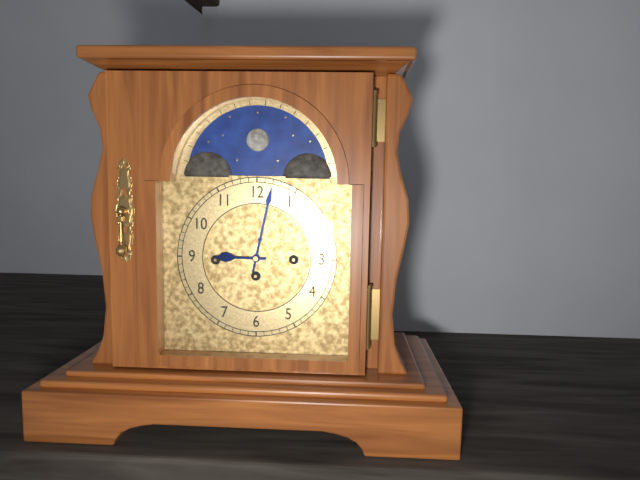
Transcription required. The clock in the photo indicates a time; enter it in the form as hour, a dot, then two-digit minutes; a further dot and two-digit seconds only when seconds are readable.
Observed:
9.02
